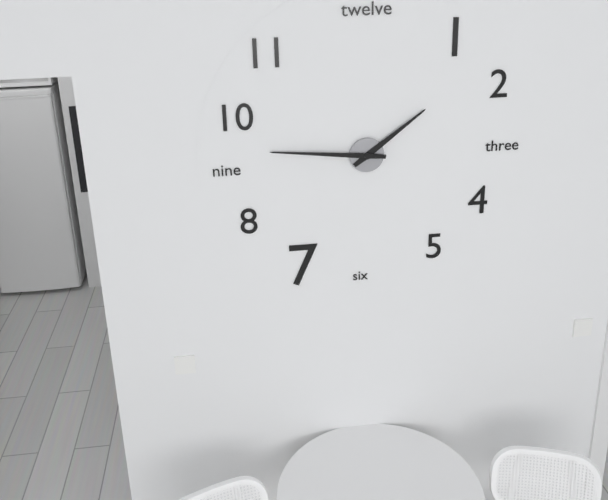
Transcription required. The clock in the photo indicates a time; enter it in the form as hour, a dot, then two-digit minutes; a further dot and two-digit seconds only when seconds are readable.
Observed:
1.46
